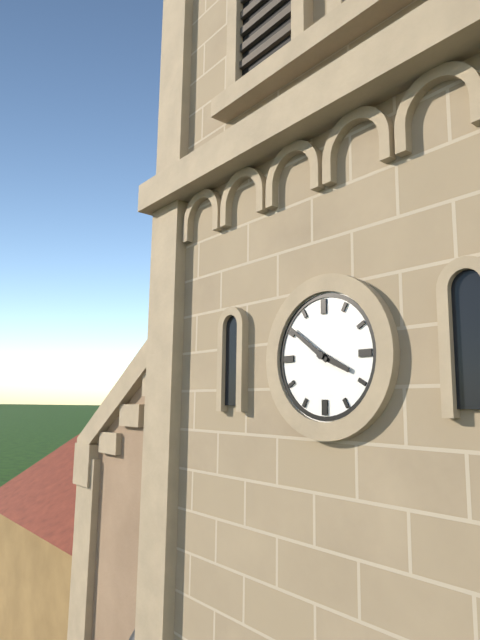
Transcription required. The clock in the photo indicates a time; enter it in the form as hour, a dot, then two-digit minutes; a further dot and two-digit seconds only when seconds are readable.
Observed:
3.51
